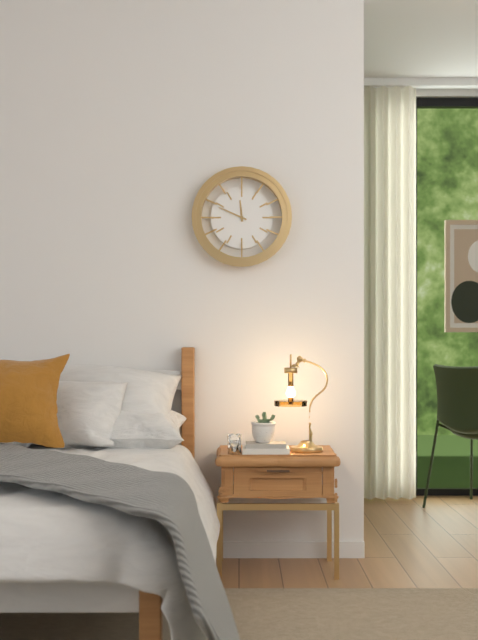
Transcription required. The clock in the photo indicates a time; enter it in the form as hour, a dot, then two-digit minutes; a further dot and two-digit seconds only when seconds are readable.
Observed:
11.49
